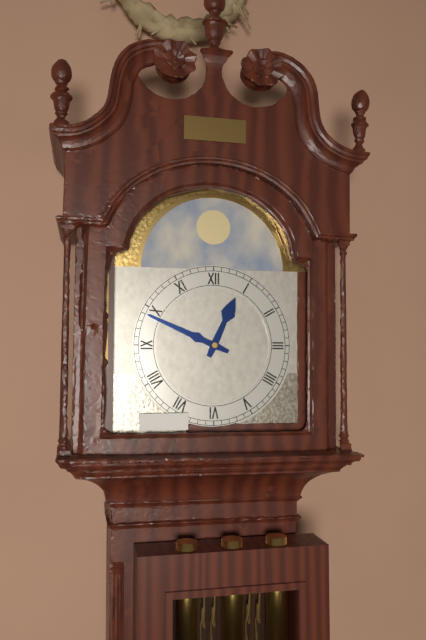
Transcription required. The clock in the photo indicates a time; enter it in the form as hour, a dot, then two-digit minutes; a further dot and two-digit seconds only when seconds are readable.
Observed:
12.49
